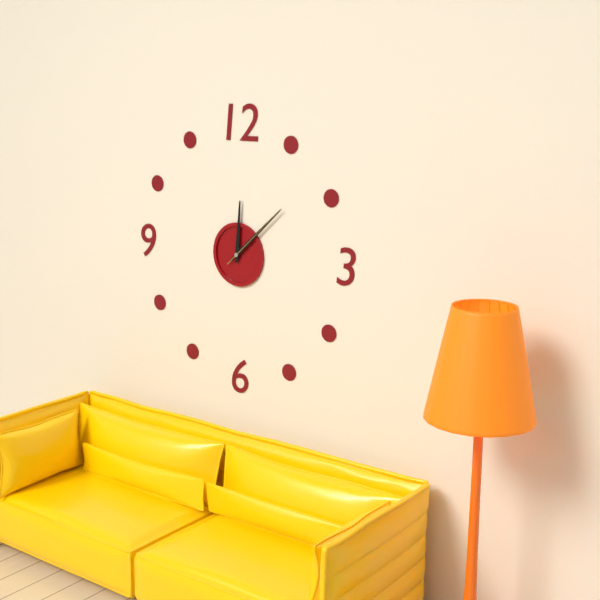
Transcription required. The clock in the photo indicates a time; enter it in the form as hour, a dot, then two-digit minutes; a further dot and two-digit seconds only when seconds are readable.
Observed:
12.08.08
